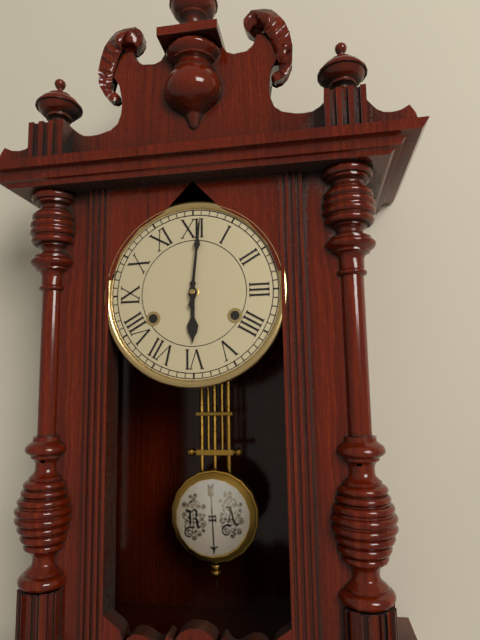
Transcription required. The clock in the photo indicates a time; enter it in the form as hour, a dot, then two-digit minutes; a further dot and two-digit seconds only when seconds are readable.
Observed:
6.01
